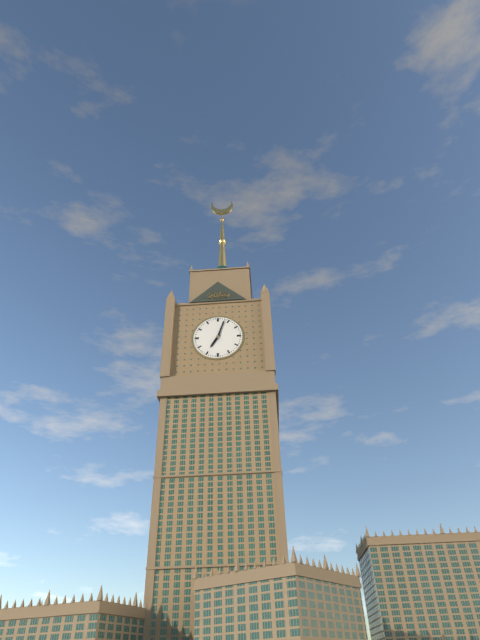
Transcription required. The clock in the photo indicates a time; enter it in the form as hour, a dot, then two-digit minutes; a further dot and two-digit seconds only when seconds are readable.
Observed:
7.03
